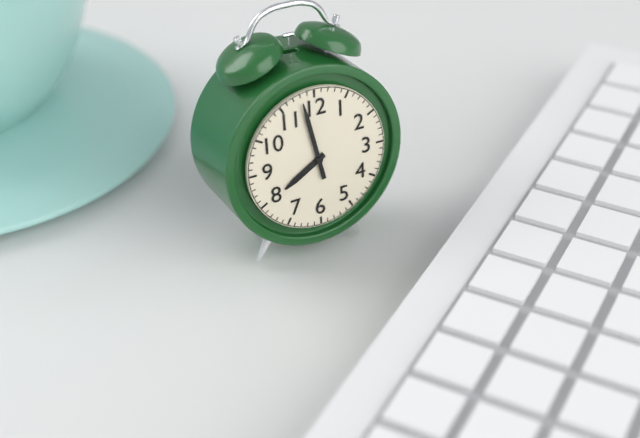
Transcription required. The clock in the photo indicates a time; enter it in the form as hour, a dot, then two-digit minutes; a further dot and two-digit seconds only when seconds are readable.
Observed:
7.58
